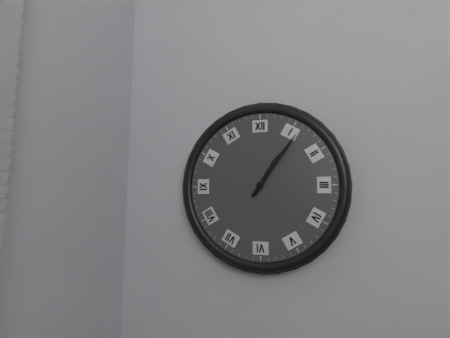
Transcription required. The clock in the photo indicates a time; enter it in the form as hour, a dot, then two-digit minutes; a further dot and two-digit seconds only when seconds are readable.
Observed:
1.06
